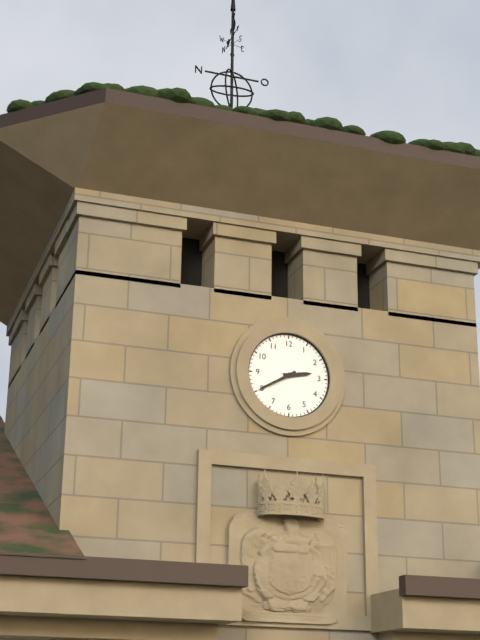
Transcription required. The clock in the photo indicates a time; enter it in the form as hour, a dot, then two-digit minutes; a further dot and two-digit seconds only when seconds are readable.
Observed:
2.40
